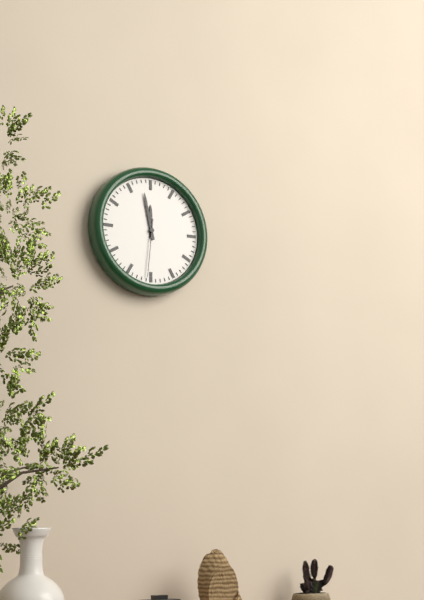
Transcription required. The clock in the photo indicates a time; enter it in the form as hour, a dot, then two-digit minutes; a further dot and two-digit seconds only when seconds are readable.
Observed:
11.58.31
